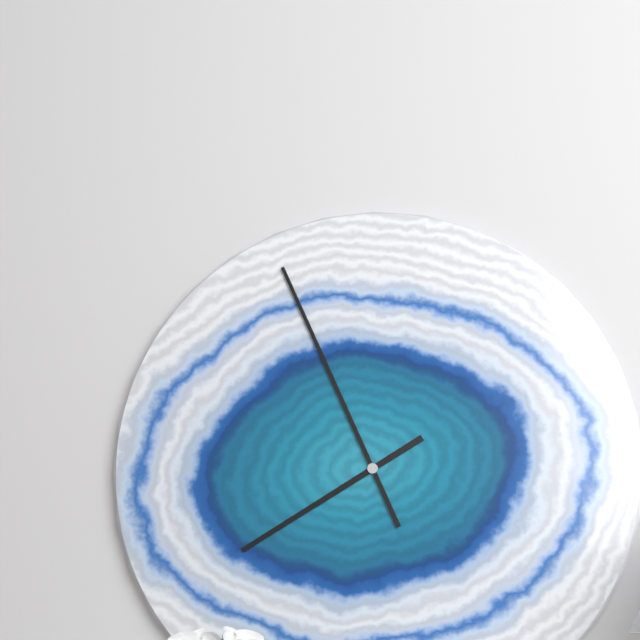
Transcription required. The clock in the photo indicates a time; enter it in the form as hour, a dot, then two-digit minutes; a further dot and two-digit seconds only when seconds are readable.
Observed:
7.56
